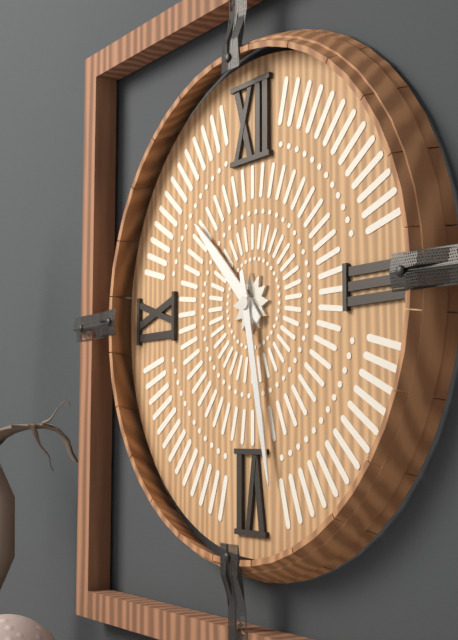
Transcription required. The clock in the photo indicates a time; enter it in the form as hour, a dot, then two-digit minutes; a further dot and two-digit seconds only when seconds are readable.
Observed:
10.28
